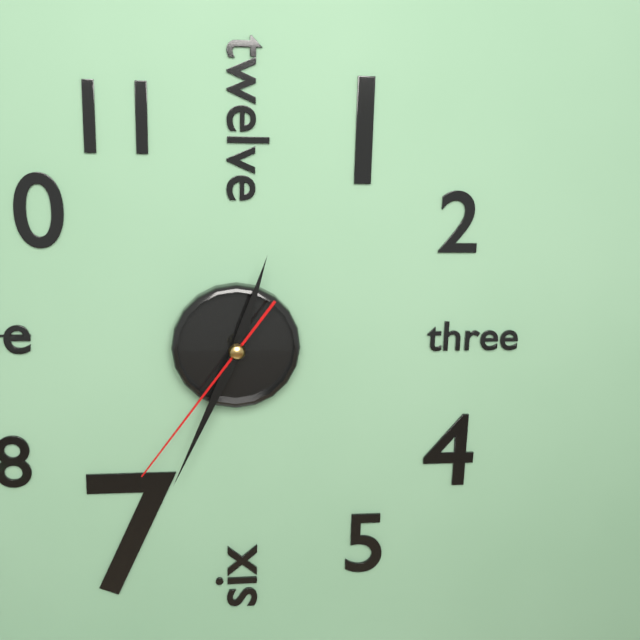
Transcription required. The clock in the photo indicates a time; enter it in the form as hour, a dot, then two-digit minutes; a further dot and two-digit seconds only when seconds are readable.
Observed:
12.34.36
